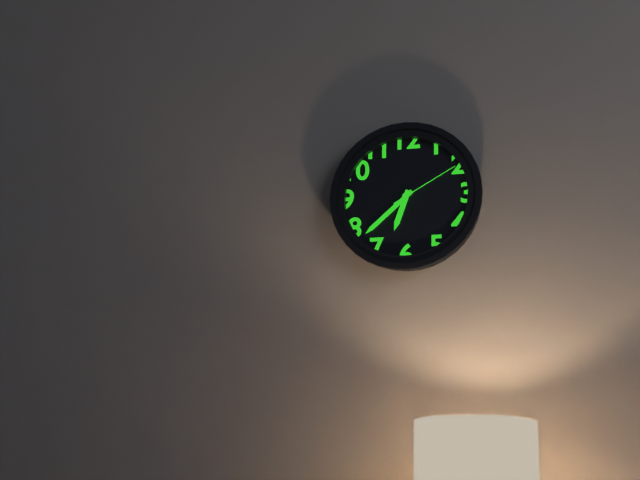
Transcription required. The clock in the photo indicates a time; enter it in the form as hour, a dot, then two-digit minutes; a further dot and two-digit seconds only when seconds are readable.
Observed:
6.38.10
